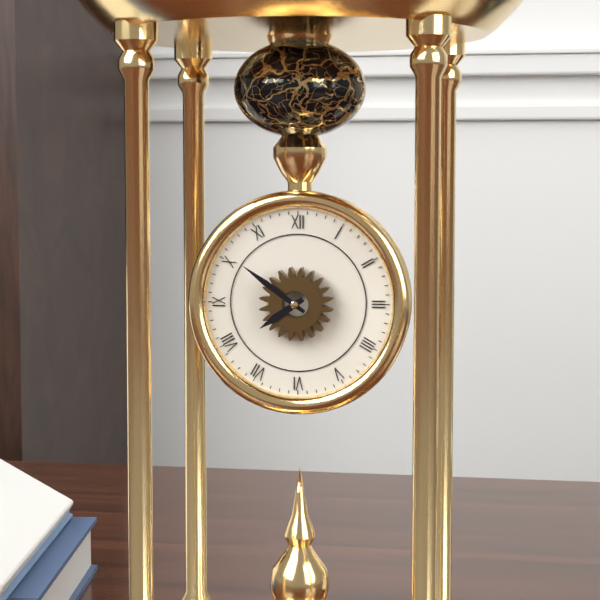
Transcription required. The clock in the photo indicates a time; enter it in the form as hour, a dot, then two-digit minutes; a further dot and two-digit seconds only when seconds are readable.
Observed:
7.51
